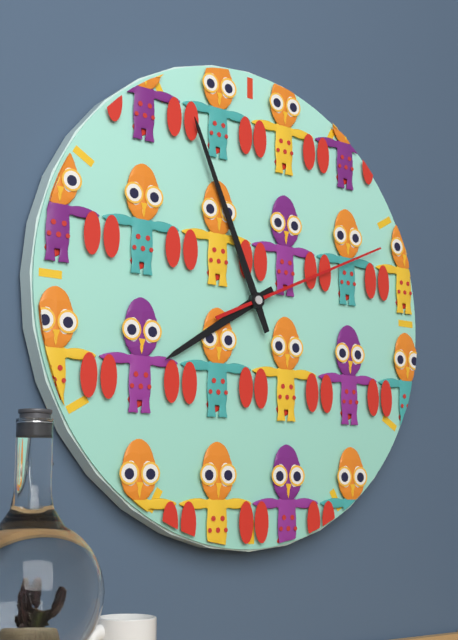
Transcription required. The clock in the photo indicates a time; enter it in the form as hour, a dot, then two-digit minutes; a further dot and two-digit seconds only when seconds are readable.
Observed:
7.56.11
